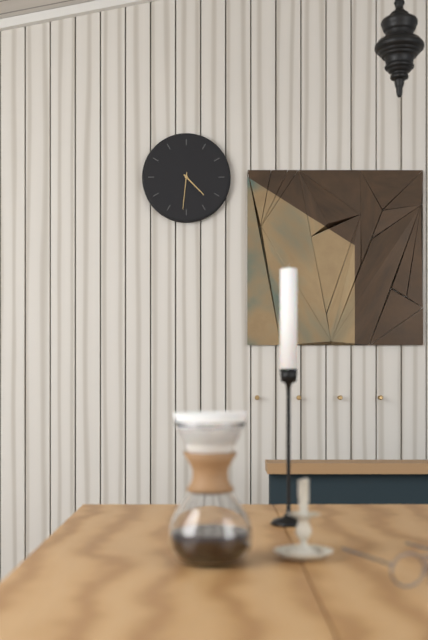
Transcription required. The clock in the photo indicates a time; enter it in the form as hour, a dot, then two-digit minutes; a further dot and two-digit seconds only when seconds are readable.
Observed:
4.31
